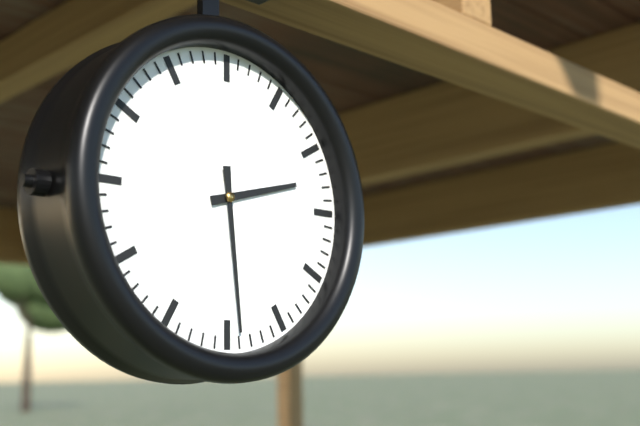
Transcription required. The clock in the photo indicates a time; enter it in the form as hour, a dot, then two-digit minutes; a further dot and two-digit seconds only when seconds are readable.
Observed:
2.29
